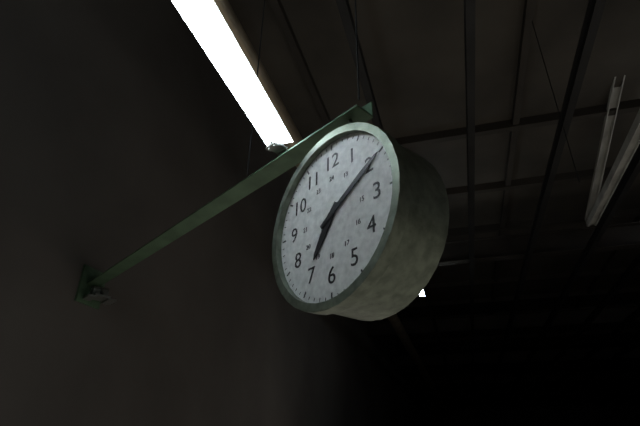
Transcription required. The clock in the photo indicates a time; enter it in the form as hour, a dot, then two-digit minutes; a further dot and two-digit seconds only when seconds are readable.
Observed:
7.10
